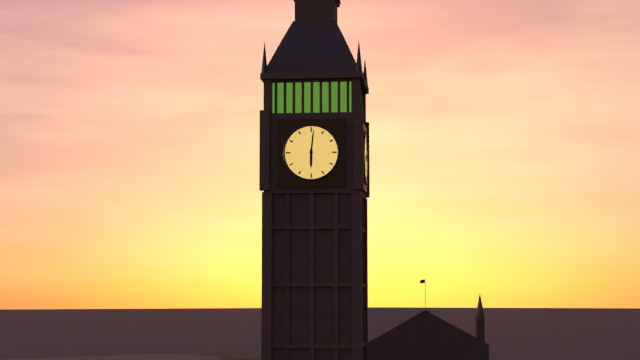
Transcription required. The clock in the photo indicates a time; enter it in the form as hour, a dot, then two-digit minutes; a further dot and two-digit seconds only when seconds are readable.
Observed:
6.01
